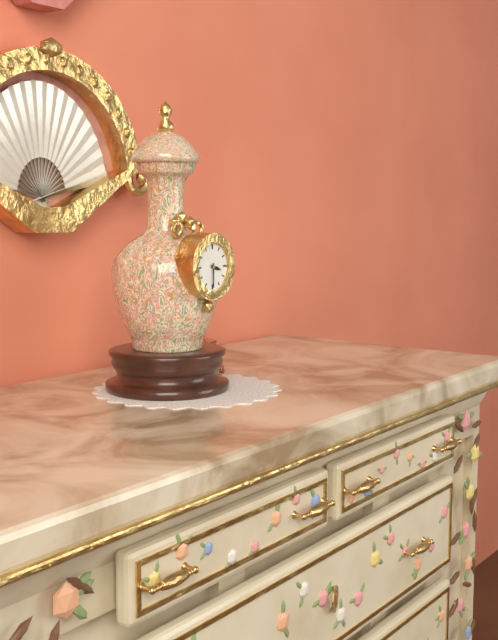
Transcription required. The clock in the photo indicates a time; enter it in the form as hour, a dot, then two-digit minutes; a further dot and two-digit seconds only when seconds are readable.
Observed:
3.30
